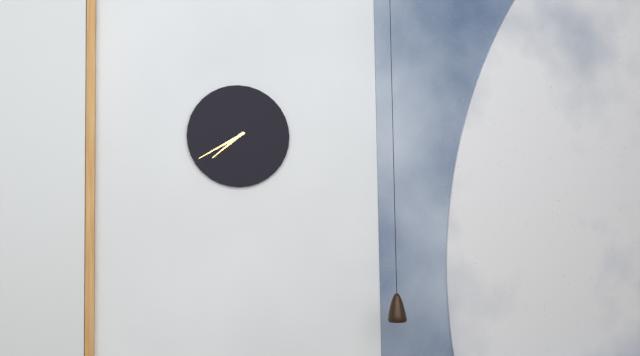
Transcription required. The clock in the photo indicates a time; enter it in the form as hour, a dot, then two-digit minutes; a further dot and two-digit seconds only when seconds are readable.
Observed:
7.40
